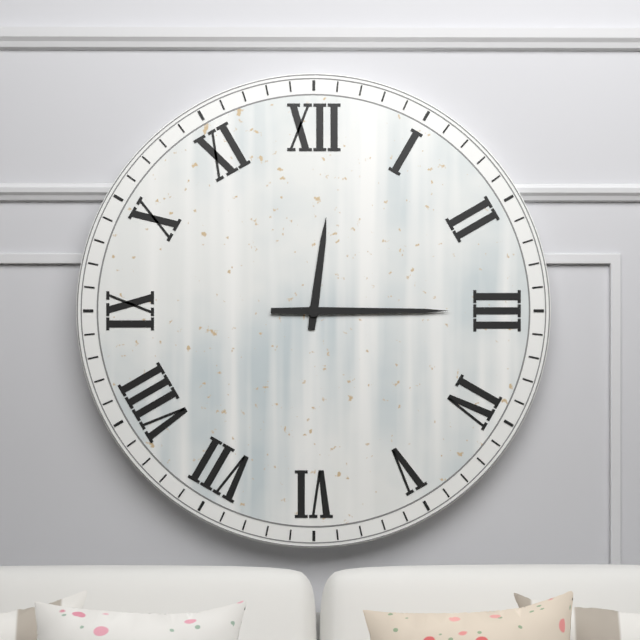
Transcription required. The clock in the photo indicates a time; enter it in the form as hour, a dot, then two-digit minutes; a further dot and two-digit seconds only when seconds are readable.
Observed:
12.15
